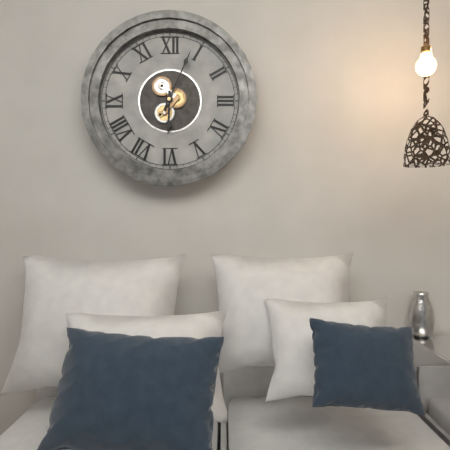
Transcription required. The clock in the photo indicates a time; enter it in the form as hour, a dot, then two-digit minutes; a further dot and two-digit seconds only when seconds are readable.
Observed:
6.04
